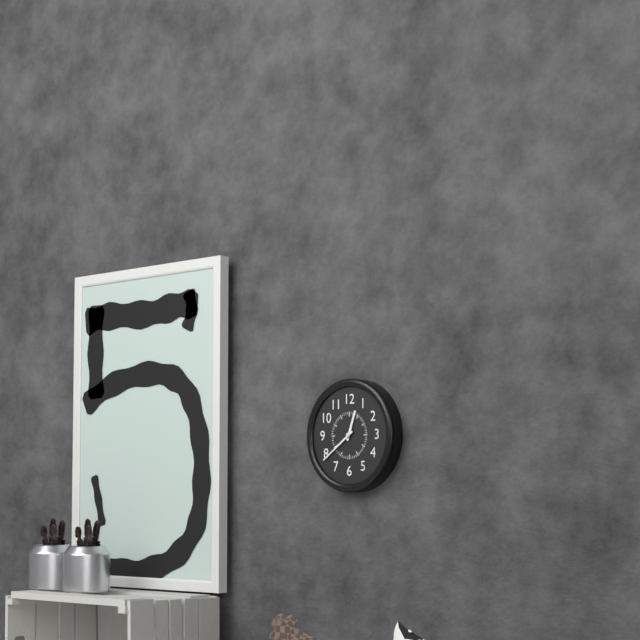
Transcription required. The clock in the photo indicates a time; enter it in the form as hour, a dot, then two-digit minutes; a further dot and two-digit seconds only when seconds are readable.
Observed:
12.39
